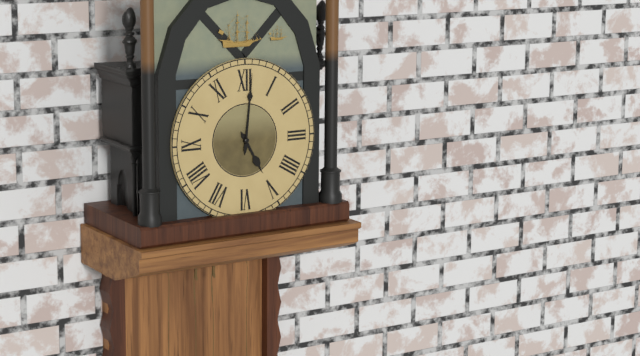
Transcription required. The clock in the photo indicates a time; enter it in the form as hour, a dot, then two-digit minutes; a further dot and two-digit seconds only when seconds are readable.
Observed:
5.01
